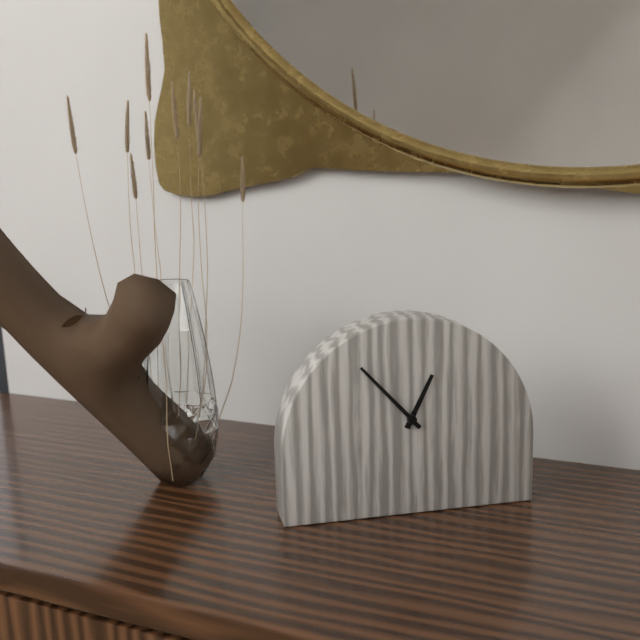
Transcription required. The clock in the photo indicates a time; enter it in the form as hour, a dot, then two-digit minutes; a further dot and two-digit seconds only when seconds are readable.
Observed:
12.53
